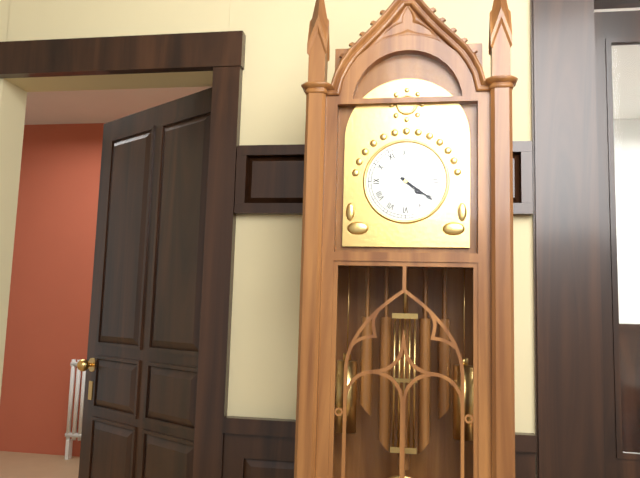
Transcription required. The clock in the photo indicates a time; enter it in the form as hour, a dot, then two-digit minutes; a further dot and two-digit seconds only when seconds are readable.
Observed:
4.21
